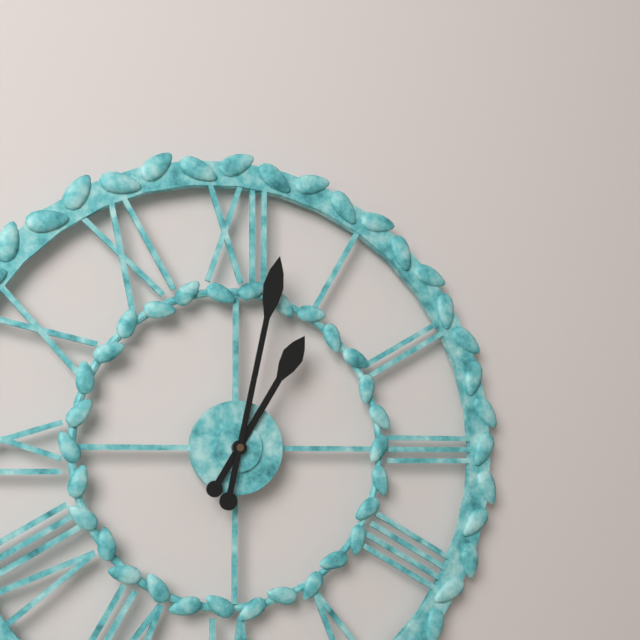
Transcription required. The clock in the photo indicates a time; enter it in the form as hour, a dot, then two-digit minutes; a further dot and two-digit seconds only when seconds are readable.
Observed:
1.02
